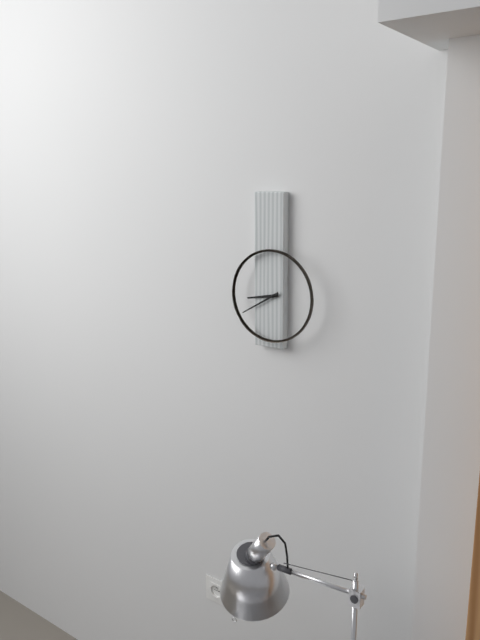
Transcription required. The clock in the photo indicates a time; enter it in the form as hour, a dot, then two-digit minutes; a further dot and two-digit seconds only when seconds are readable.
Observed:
8.40
